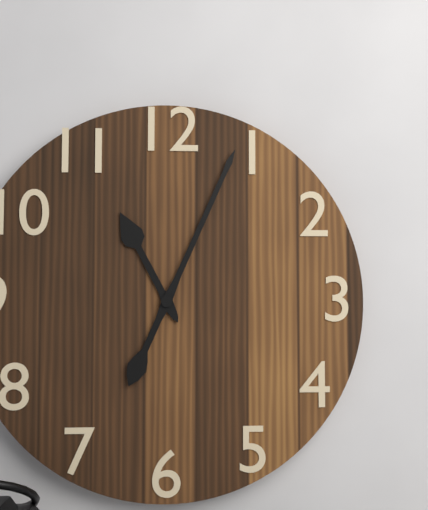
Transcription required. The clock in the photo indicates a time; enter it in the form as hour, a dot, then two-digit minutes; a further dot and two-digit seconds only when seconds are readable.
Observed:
11.04
